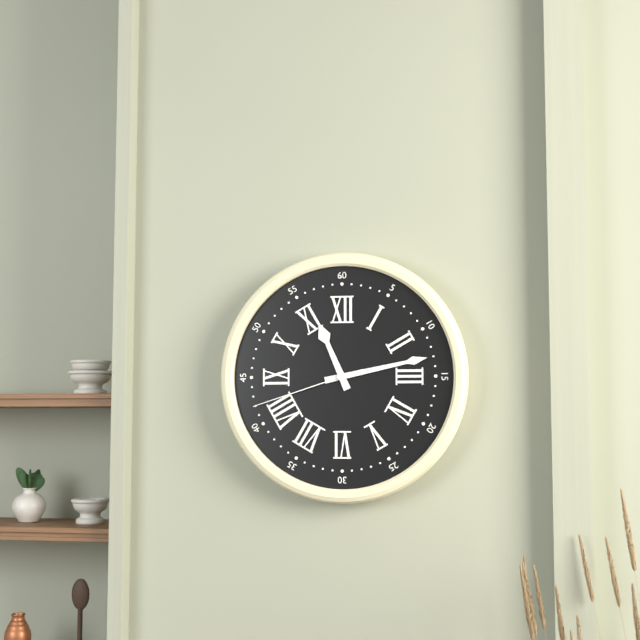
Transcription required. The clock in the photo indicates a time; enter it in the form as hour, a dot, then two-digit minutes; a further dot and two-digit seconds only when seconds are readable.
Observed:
11.13.42
